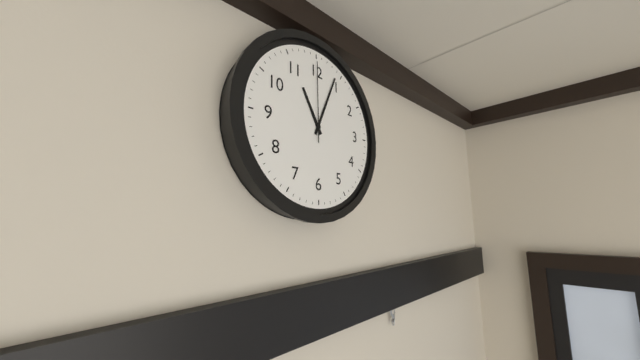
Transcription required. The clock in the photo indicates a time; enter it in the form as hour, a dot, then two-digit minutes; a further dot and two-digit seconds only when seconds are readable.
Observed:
11.04.00
